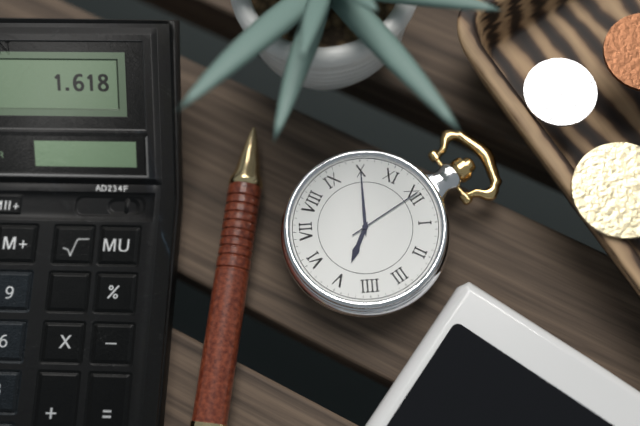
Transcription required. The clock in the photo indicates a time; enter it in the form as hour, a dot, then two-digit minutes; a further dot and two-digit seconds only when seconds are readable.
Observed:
4.50.00
